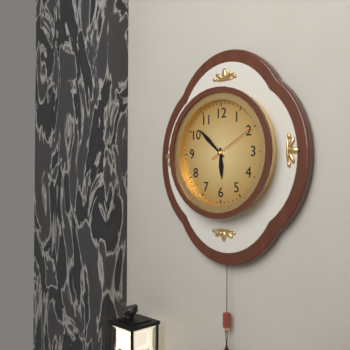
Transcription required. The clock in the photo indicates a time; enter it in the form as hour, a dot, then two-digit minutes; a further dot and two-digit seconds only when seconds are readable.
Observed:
5.52.10
